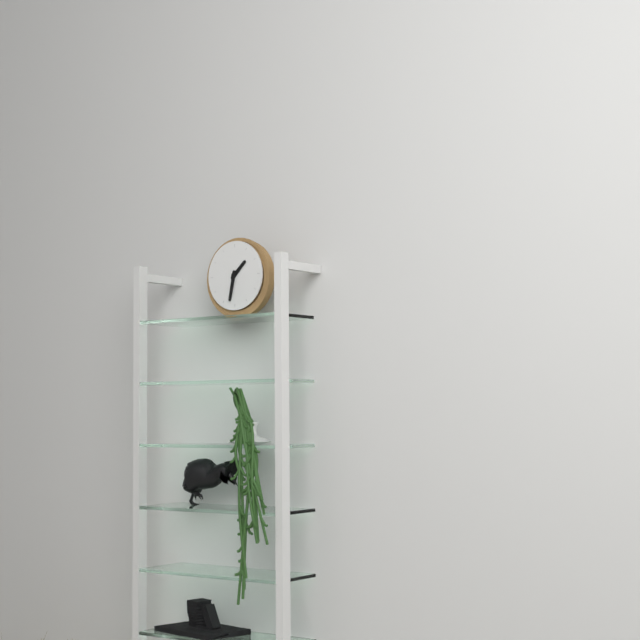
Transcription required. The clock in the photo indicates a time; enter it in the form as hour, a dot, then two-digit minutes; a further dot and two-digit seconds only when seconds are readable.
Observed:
1.32
